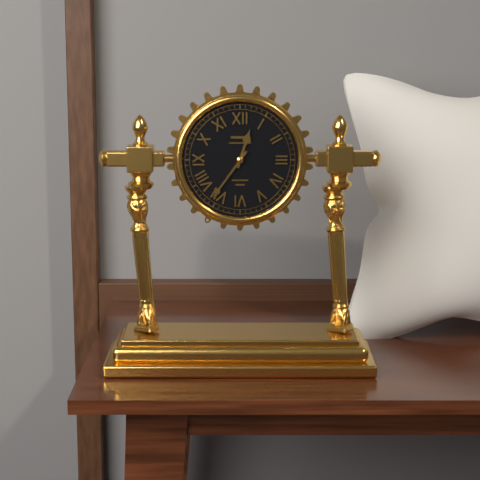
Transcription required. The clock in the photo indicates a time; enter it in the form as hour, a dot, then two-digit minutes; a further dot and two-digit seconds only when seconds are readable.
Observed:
12.36
